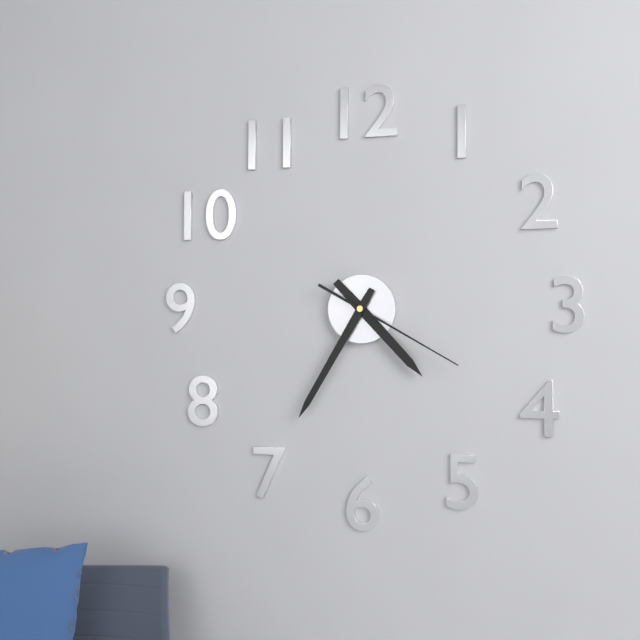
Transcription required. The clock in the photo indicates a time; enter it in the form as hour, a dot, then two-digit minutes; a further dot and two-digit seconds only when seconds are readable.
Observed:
4.35.20
